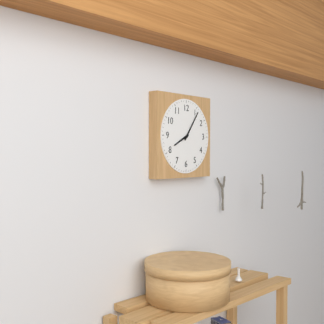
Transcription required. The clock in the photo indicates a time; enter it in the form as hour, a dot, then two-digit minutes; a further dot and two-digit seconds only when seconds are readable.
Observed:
8.06
